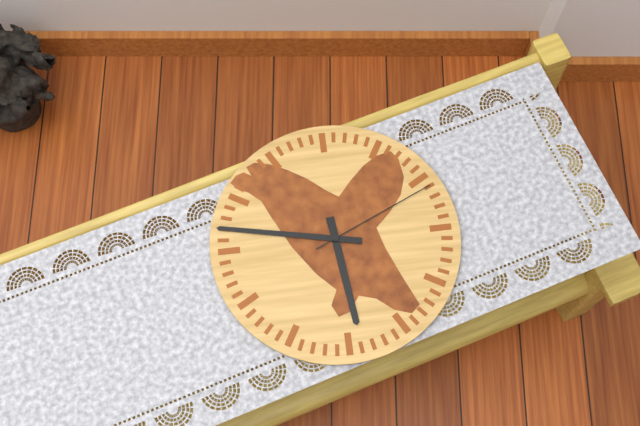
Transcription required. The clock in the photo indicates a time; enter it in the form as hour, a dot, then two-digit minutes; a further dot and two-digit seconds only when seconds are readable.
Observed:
5.47.11
